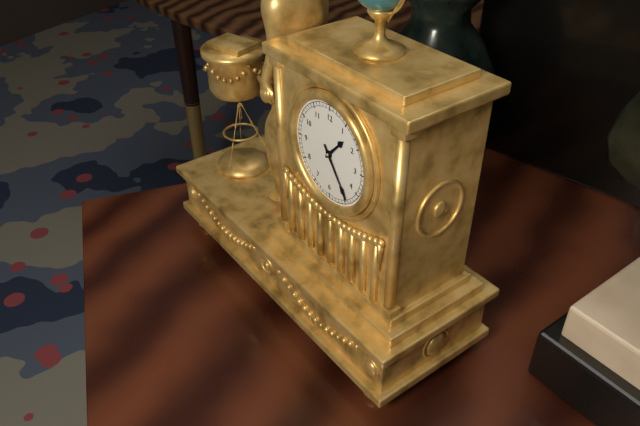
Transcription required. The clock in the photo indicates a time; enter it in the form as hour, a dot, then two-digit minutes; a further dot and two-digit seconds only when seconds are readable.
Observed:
1.24
